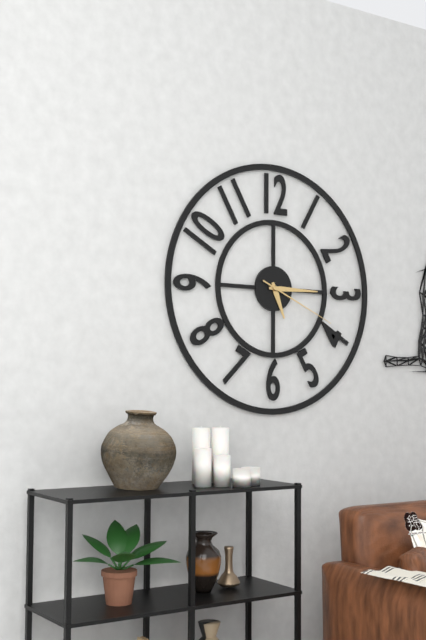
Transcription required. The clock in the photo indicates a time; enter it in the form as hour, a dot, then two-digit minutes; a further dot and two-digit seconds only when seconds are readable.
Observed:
5.15.19
